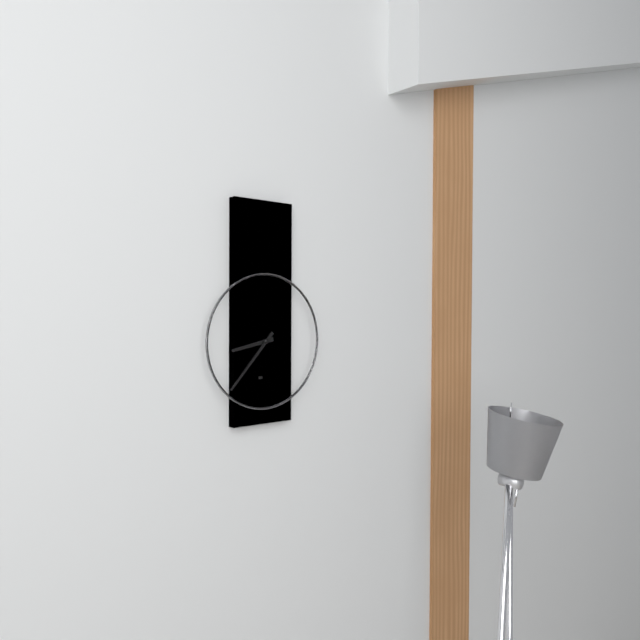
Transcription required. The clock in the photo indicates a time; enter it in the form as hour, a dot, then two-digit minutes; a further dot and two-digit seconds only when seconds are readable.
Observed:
8.37
